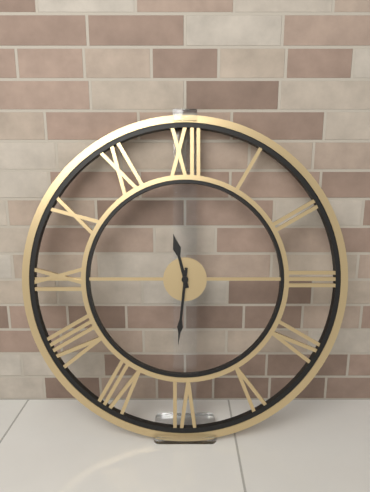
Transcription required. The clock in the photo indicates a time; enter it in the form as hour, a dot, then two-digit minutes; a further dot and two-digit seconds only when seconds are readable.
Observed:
11.31
